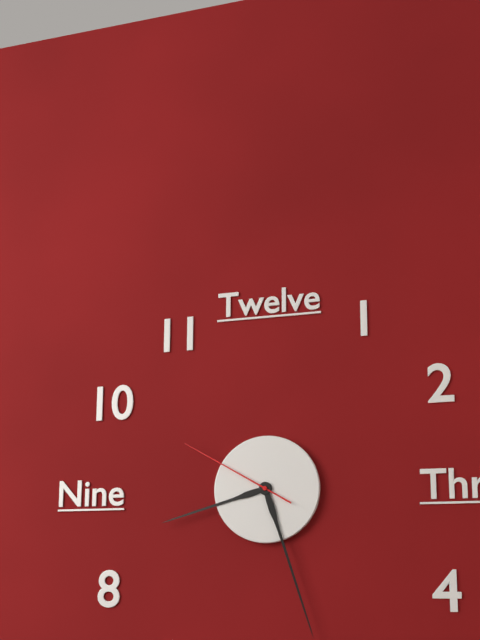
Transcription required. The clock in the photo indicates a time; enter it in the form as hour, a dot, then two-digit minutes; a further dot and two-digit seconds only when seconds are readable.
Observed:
8.27.50
